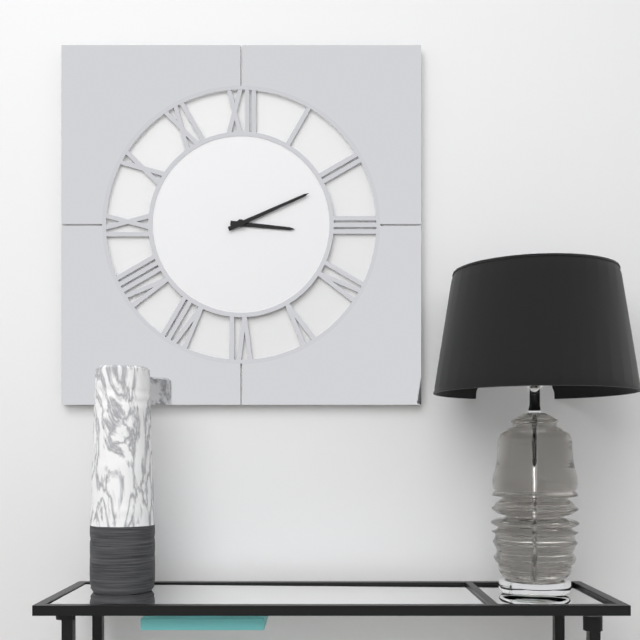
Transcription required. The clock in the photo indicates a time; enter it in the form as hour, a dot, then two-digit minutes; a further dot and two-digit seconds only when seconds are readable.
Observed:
3.11
